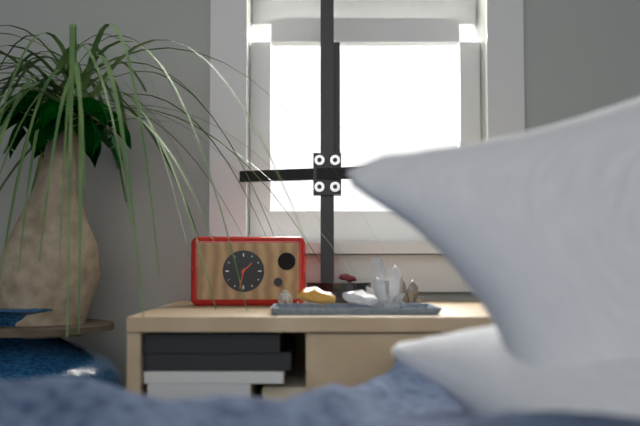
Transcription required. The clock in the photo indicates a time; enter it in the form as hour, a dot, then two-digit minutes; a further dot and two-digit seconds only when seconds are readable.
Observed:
1.32
